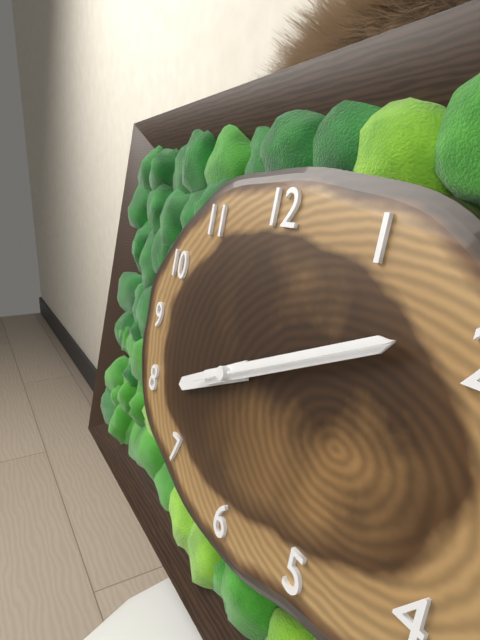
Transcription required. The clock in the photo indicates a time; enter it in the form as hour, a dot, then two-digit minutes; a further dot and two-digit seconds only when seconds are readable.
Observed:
8.11.11
